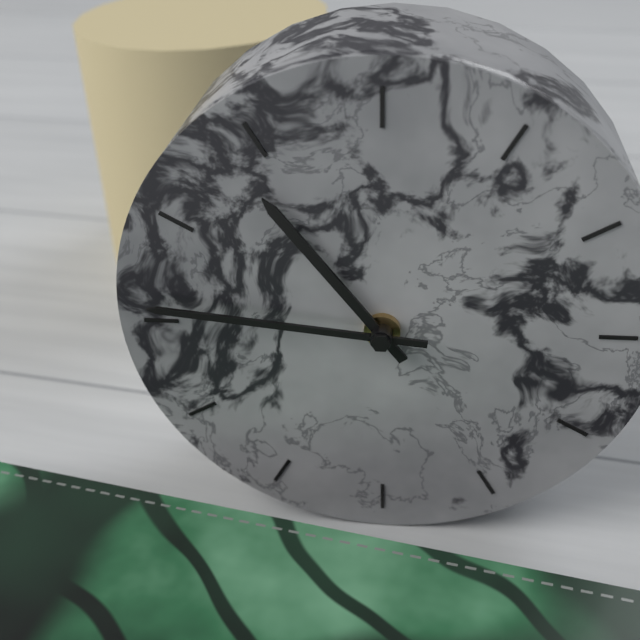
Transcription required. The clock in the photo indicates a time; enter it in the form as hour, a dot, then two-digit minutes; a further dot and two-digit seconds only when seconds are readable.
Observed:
10.46
